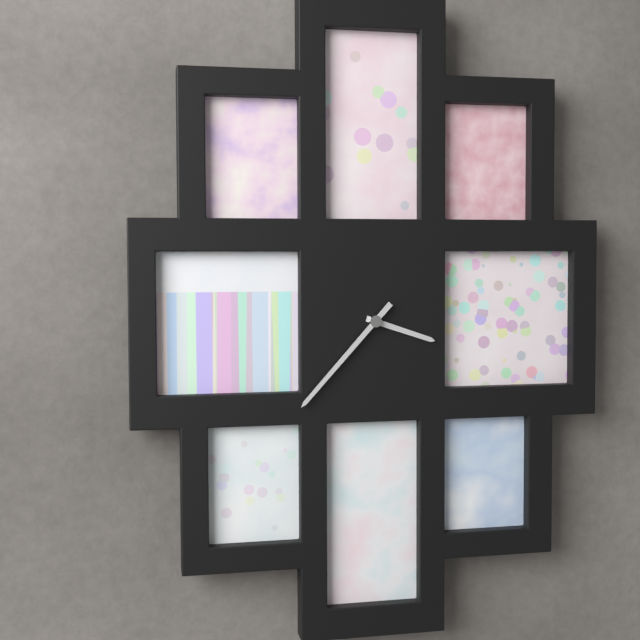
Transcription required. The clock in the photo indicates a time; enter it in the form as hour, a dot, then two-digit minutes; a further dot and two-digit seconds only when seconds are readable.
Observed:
3.37
